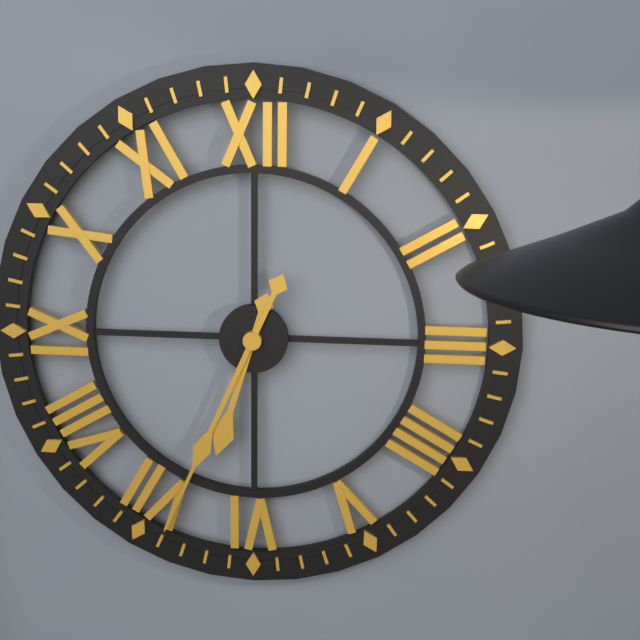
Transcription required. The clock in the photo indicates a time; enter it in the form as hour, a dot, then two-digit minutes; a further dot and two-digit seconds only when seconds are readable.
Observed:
6.34
